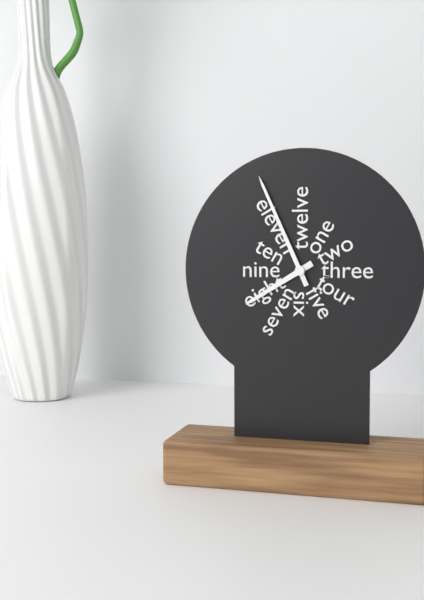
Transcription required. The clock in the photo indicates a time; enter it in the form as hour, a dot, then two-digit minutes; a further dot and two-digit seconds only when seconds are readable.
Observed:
7.56
